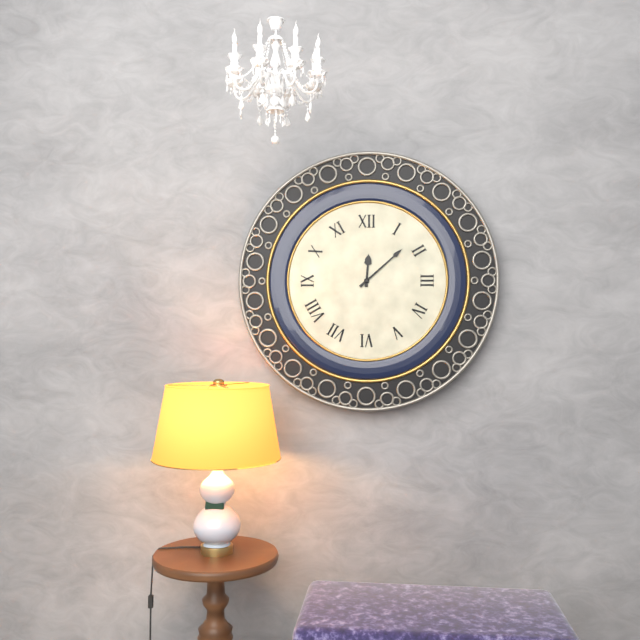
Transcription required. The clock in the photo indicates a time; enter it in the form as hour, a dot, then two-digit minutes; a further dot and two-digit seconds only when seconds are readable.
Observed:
12.08
